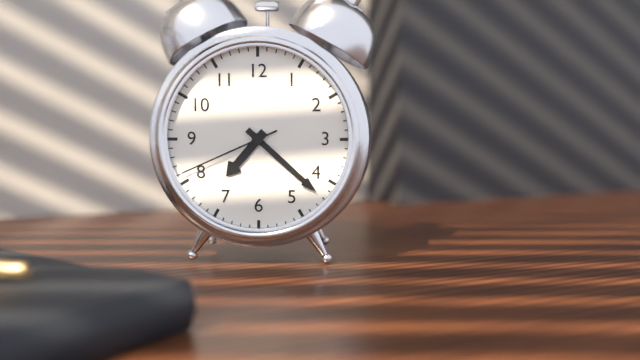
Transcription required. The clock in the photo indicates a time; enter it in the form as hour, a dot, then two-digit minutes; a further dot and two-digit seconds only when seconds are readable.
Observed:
7.22.41
